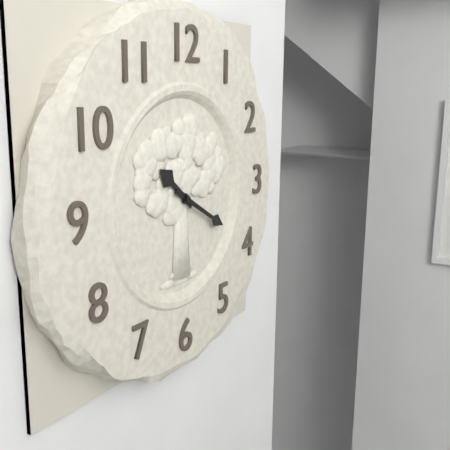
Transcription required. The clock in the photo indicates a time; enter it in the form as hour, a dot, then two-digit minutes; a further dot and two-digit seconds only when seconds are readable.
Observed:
10.20
